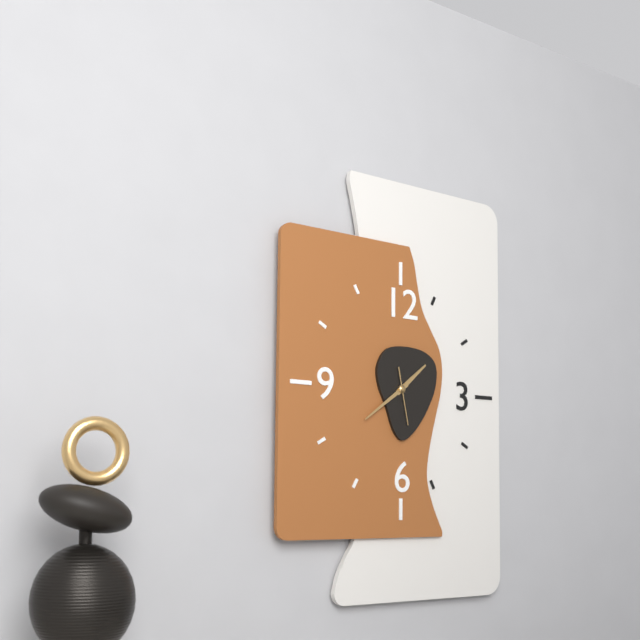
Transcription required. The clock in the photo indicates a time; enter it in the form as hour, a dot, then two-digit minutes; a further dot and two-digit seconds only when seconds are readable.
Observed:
1.39
